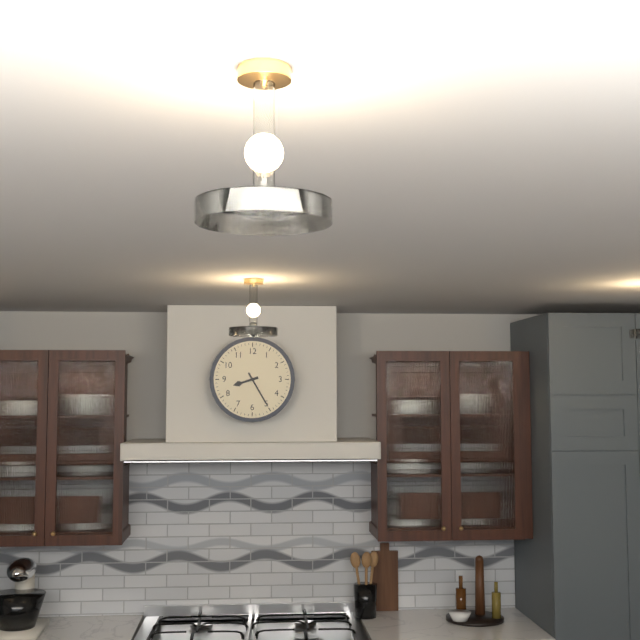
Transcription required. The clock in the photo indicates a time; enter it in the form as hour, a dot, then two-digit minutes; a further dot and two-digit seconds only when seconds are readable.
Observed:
8.25
